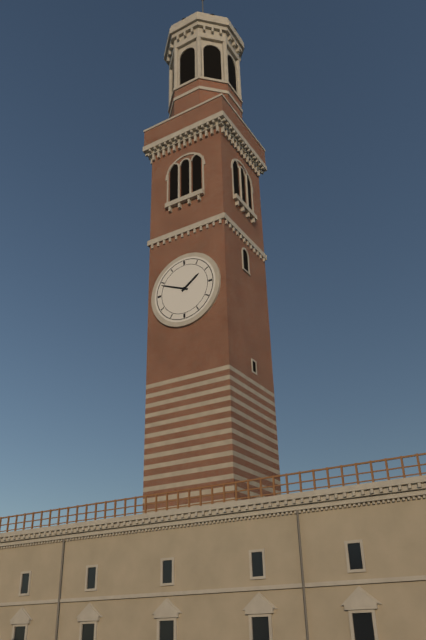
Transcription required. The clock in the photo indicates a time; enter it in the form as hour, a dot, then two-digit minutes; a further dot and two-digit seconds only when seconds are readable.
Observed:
1.49
